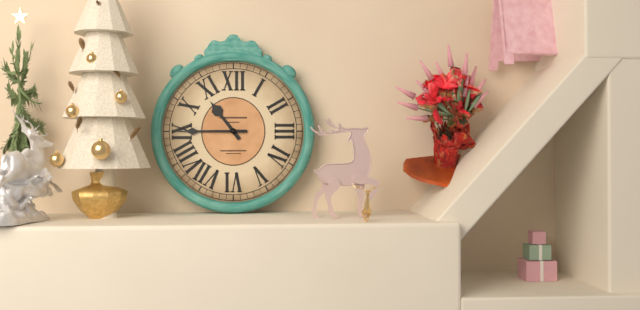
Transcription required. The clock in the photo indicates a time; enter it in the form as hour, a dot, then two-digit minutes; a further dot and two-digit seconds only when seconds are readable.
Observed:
10.45
